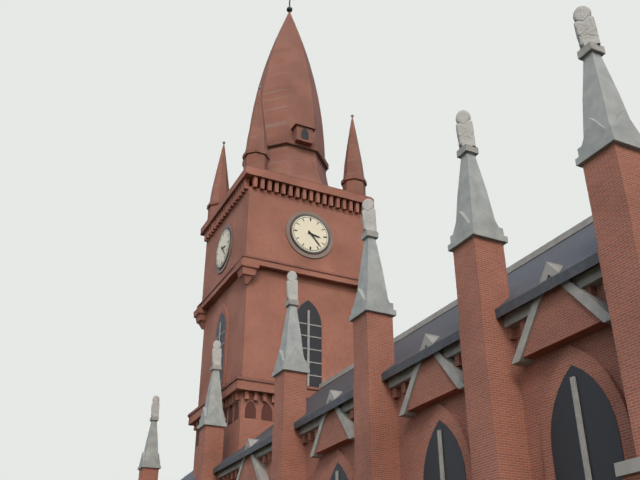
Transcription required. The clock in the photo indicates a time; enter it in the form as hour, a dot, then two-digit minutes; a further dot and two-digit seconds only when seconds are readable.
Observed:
3.23
